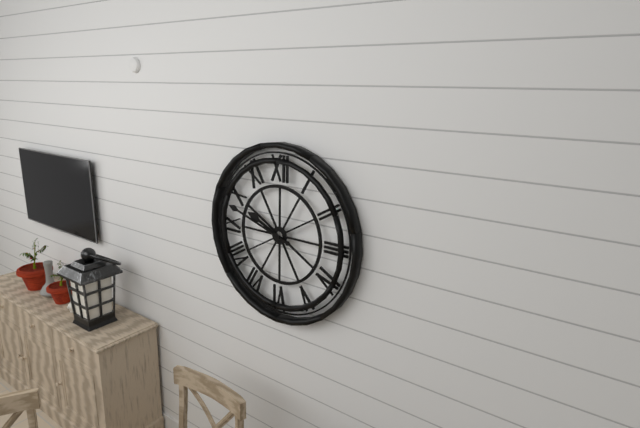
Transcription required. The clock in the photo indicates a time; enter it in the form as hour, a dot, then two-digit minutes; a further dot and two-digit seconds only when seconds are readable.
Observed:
9.48
